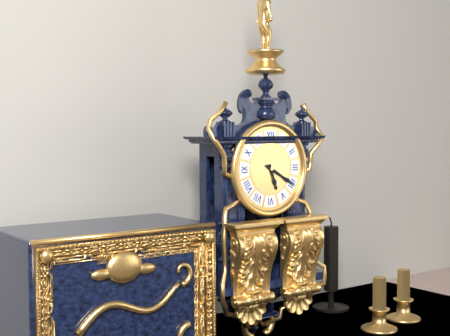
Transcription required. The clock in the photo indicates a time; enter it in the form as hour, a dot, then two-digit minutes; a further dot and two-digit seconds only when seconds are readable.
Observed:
5.20
